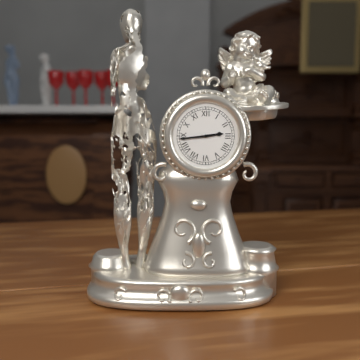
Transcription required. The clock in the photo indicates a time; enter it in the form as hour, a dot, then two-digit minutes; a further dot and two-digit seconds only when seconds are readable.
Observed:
2.44
